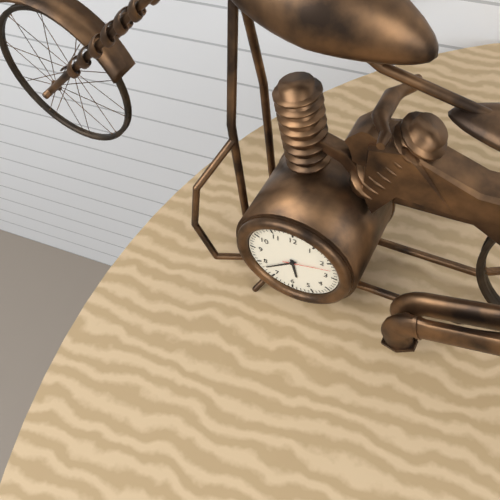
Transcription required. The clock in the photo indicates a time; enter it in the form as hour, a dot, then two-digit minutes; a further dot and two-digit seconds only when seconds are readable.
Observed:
5.38
